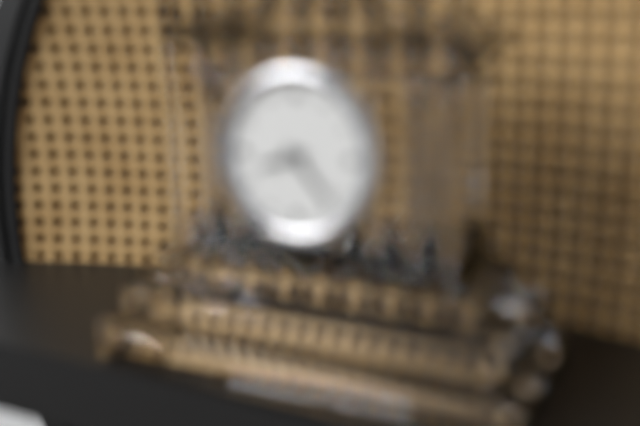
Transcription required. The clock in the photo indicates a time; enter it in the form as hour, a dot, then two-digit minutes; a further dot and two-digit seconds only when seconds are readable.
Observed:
8.23
